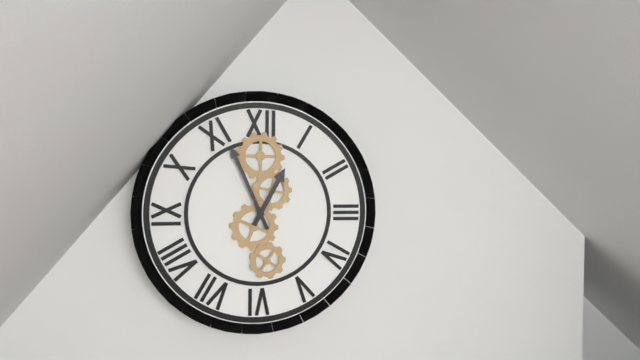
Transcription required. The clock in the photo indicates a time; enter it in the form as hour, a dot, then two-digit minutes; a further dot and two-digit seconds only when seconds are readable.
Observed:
12.56
